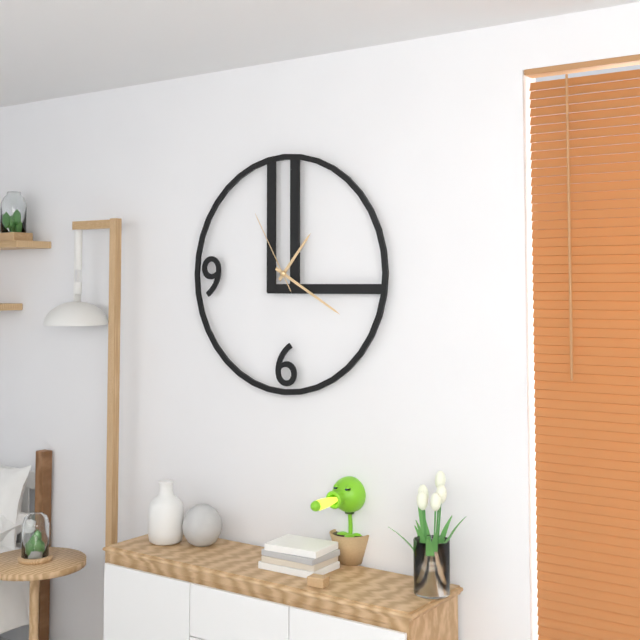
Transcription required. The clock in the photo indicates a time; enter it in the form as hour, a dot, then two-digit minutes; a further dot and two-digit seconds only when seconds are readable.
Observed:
1.20.55
